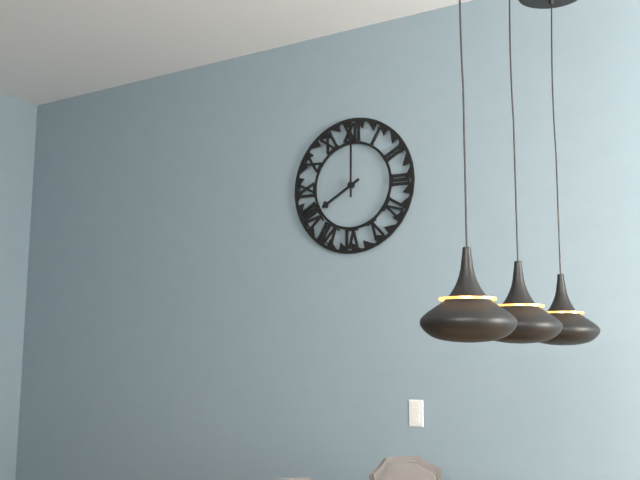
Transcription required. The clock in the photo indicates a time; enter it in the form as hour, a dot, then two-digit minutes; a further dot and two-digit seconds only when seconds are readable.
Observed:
8.00
